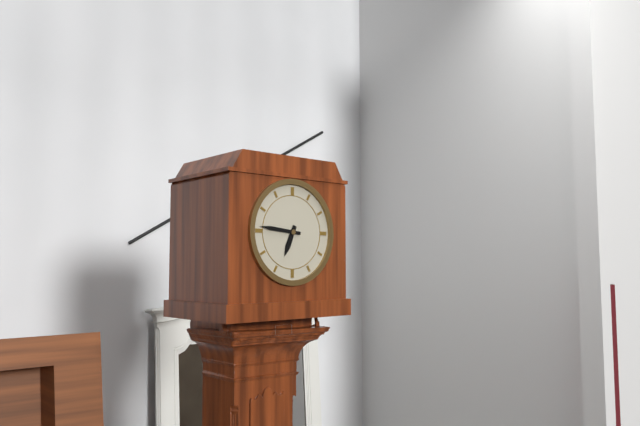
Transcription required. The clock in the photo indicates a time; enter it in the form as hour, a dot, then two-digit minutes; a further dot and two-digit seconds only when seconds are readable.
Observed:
6.46
